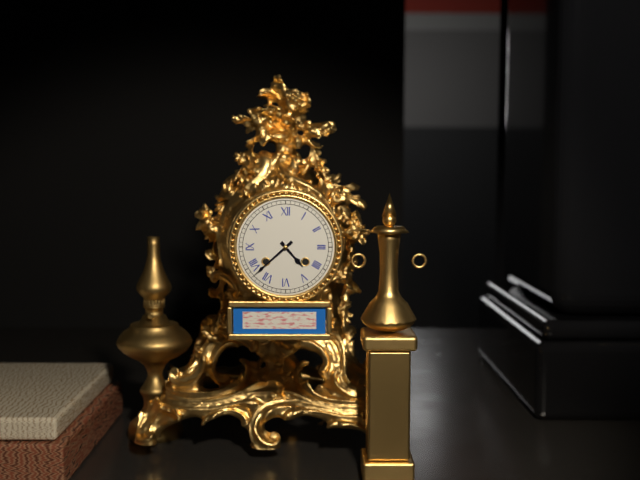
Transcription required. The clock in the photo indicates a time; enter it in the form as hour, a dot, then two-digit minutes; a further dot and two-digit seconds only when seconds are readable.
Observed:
4.38
